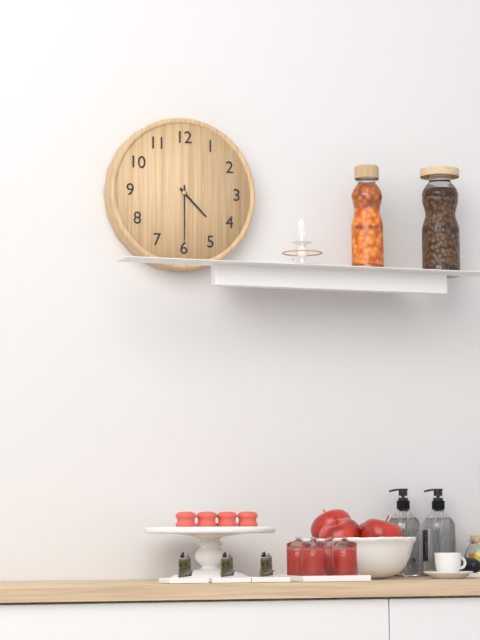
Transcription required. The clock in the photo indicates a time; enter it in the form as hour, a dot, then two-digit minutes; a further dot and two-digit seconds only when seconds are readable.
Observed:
4.30
